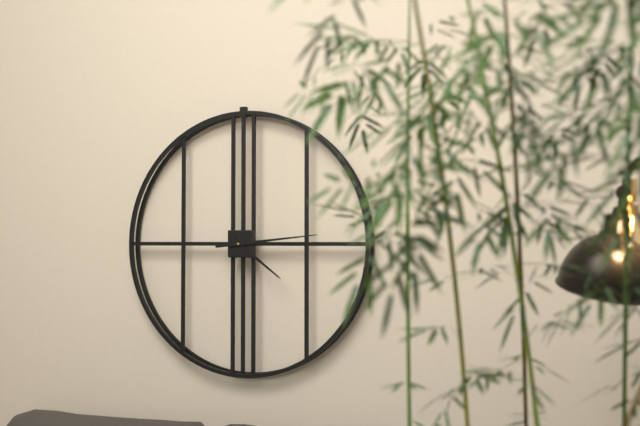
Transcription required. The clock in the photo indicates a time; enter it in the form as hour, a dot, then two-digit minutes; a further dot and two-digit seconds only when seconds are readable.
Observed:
4.14
